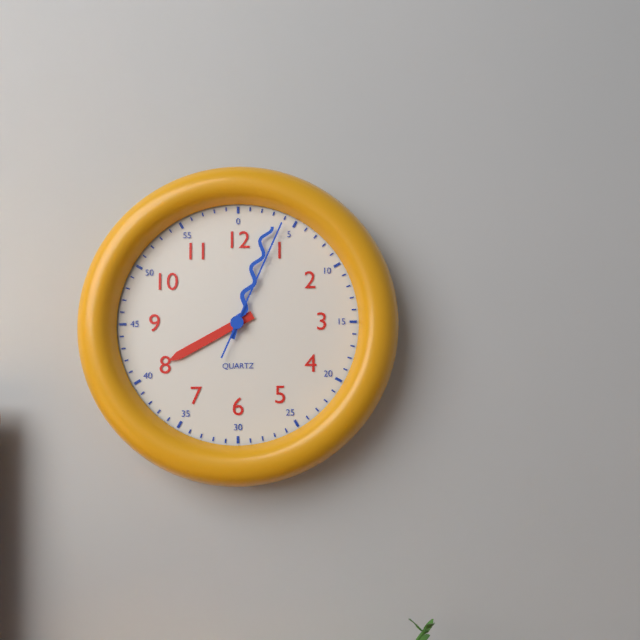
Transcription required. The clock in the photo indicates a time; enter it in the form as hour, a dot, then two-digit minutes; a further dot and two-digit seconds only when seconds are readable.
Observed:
8.03.04
